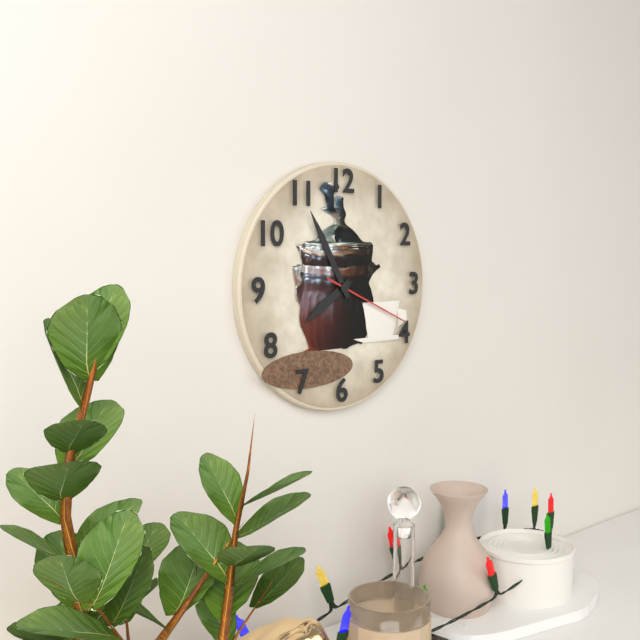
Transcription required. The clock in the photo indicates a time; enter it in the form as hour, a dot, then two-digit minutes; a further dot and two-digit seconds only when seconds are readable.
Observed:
7.55.19
